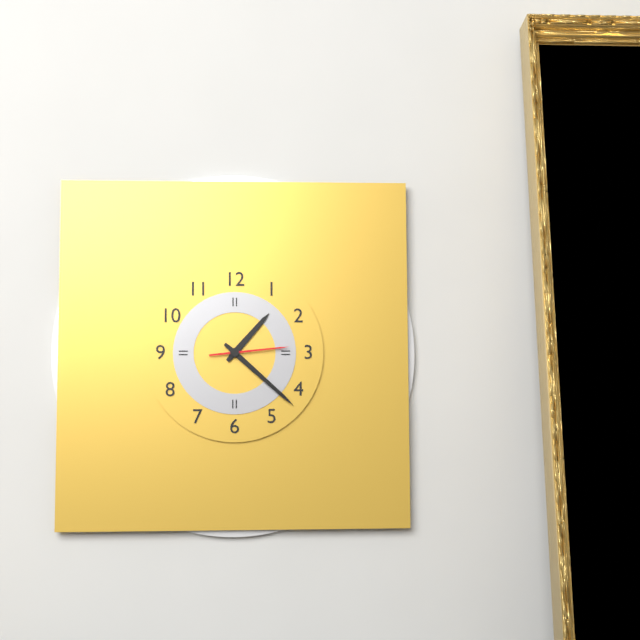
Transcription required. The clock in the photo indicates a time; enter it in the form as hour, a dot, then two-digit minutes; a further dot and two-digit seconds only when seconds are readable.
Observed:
1.22.14
